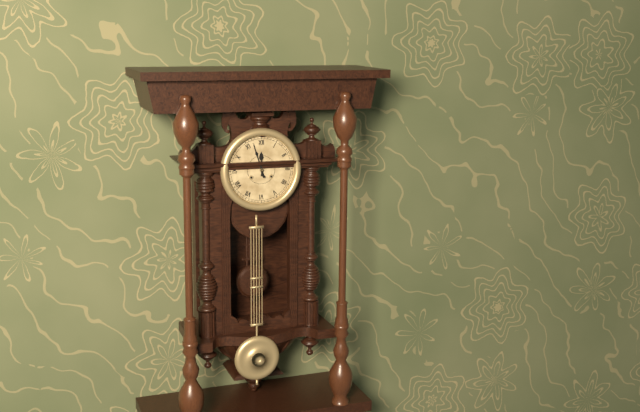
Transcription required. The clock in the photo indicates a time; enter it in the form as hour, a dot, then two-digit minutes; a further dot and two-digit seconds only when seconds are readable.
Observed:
11.57
